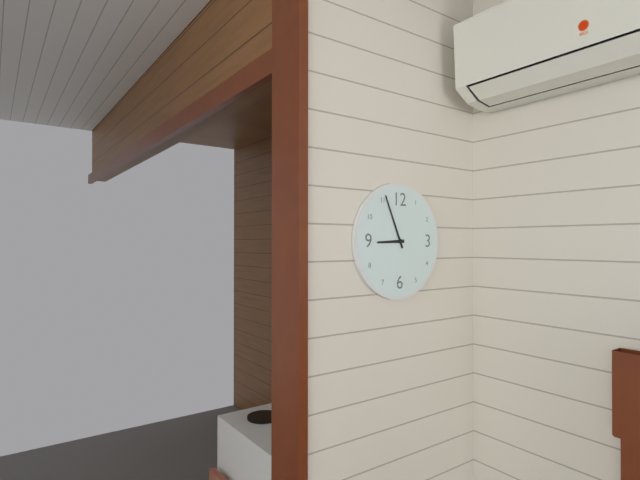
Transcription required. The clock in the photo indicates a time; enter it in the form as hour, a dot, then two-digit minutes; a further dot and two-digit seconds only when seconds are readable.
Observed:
8.56
